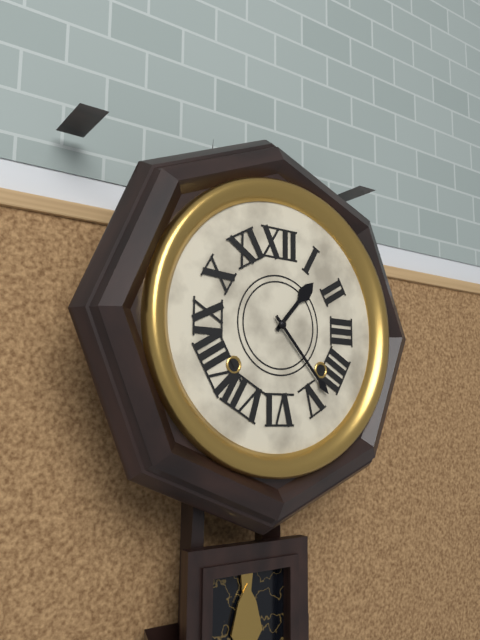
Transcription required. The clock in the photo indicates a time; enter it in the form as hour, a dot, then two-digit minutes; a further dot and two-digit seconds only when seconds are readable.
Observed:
1.23
